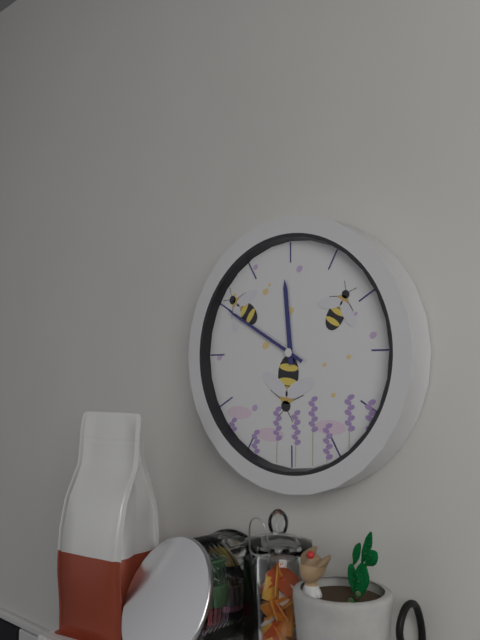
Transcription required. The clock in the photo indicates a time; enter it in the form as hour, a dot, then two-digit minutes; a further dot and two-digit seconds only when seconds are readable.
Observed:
11.50
